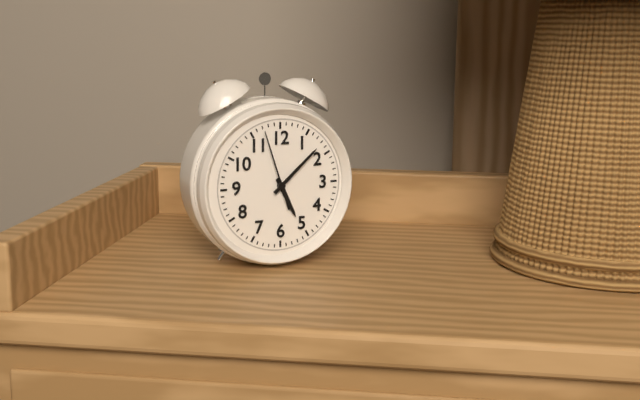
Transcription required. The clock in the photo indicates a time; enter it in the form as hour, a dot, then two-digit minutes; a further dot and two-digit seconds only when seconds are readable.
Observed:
5.08.57
